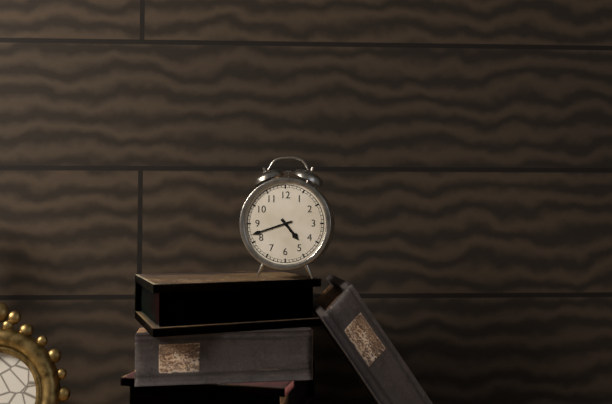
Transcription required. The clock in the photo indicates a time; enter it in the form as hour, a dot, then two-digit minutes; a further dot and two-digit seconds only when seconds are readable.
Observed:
4.42
